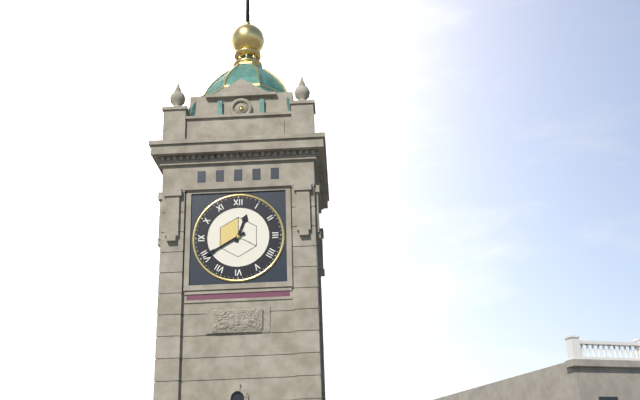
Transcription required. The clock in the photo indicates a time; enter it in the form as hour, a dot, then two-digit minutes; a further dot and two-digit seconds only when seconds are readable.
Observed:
12.40
